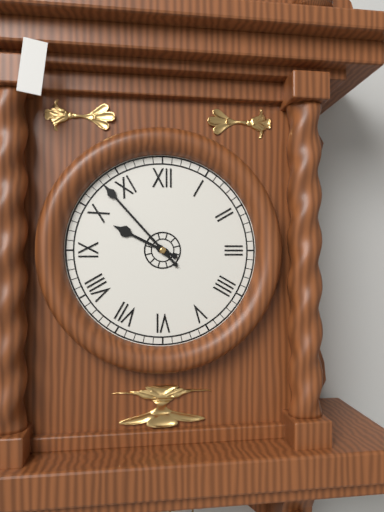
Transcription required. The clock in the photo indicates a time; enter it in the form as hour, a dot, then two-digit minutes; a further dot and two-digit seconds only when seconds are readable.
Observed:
9.53
